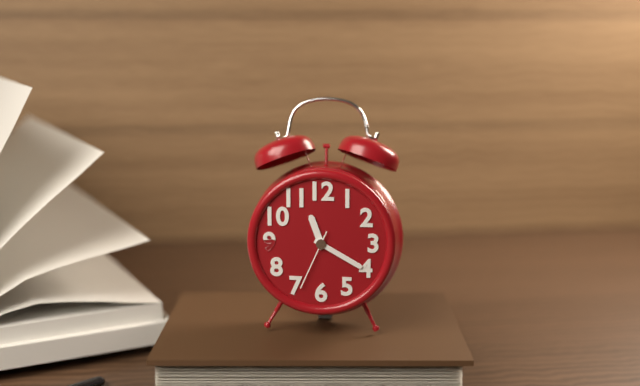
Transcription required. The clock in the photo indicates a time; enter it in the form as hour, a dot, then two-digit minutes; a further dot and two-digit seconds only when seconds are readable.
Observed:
11.20.34
